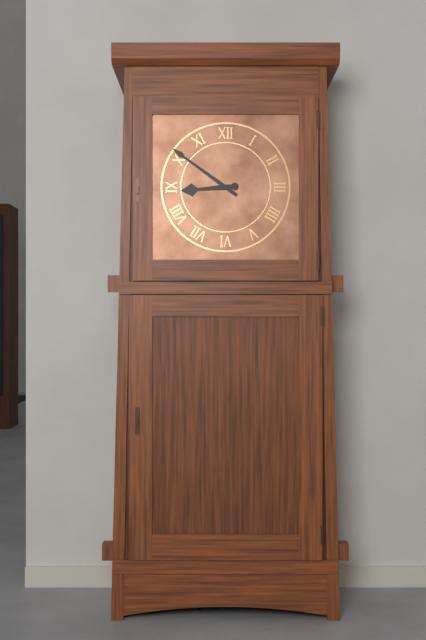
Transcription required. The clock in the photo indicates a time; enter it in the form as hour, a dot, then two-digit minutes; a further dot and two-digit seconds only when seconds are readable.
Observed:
8.51
